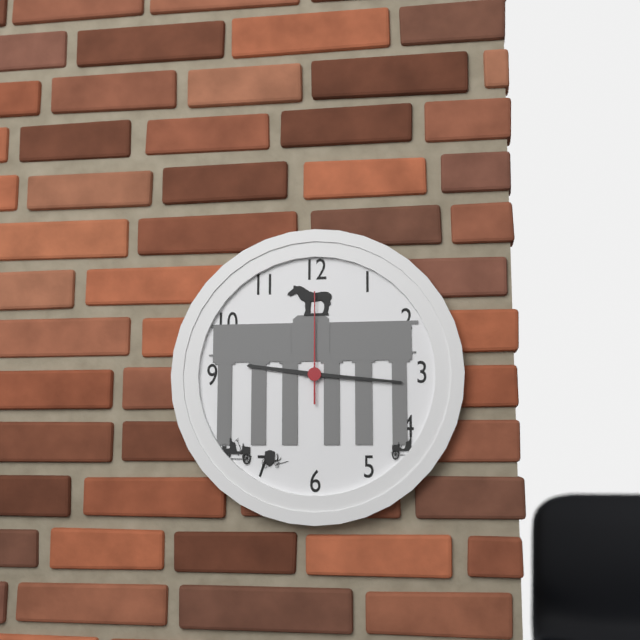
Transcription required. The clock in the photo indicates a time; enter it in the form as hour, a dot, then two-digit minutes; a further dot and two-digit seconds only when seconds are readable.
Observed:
9.16.00
